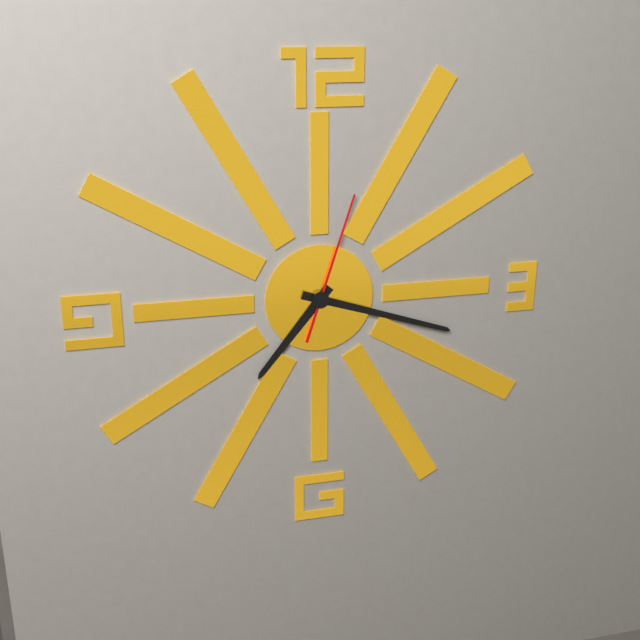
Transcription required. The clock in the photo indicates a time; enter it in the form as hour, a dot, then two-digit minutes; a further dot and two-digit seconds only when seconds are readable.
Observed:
7.18.03
